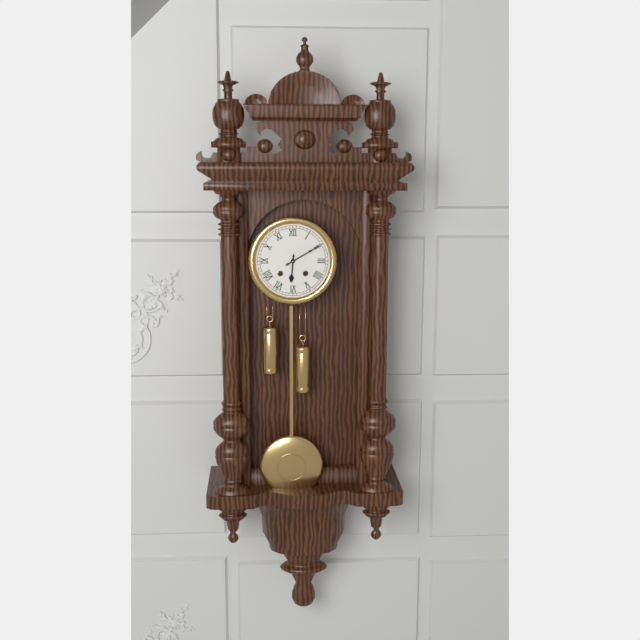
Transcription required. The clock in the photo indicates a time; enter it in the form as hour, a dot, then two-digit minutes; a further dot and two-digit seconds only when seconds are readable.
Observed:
6.10
